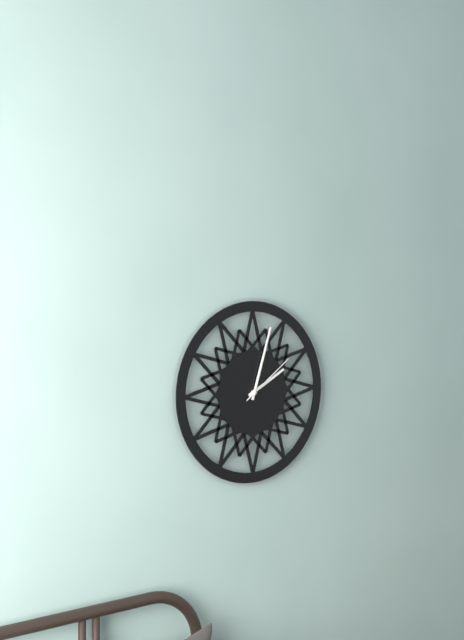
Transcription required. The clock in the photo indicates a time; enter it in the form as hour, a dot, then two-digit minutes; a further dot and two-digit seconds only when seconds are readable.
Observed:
2.03.09
